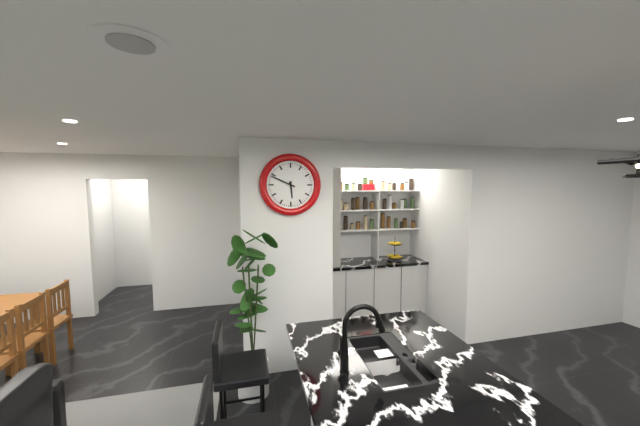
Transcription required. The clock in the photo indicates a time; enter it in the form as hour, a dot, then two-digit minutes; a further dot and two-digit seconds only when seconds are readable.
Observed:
5.49
